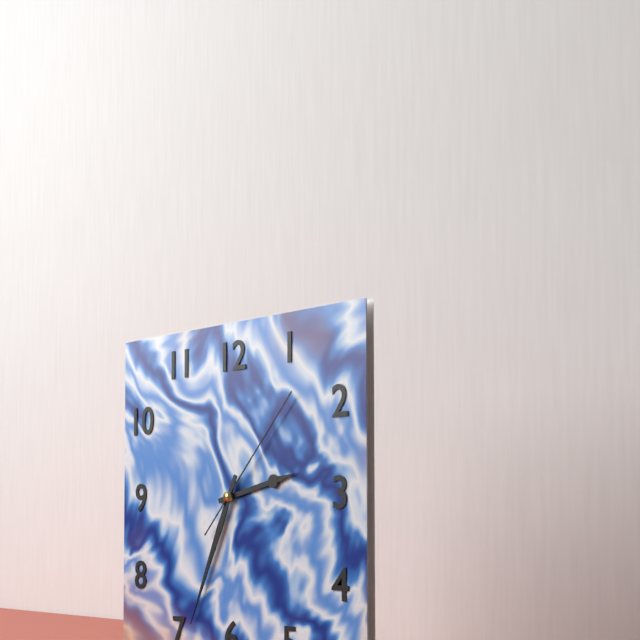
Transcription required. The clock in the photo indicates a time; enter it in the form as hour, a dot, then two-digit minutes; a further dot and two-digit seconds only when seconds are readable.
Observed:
2.34.07
